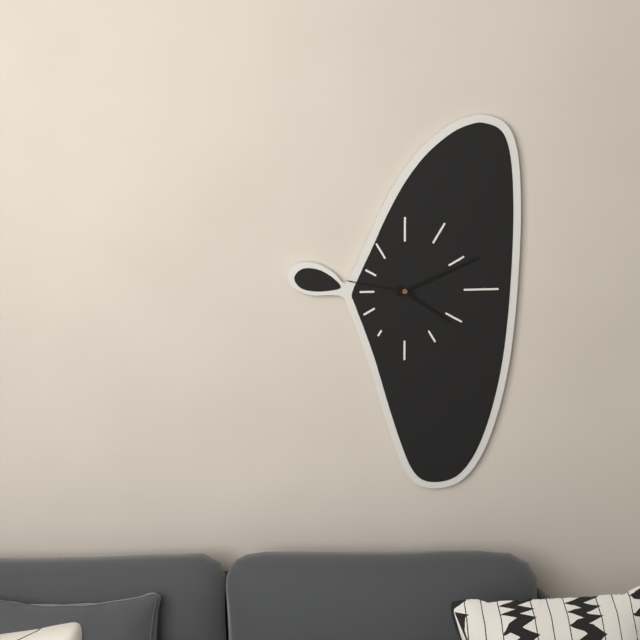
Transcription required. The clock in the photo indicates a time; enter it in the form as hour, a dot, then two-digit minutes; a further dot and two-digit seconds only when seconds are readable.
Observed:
4.11.47
